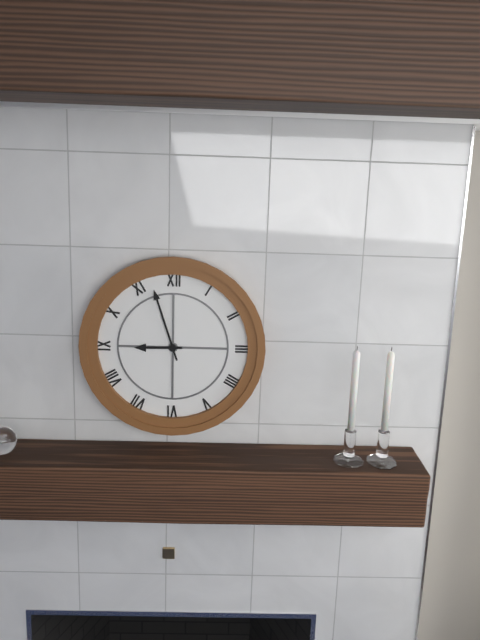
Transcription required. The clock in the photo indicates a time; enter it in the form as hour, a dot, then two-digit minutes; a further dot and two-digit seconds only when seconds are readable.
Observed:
8.57
